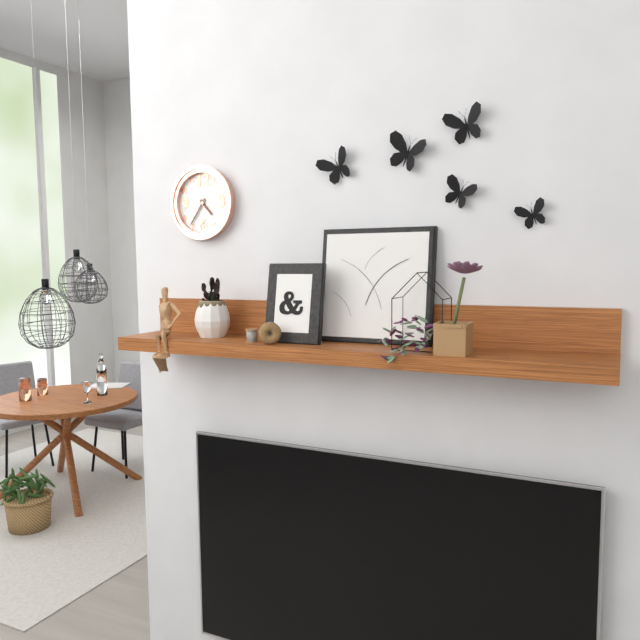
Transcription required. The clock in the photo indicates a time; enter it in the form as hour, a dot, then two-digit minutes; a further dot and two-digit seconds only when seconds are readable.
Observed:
4.36
